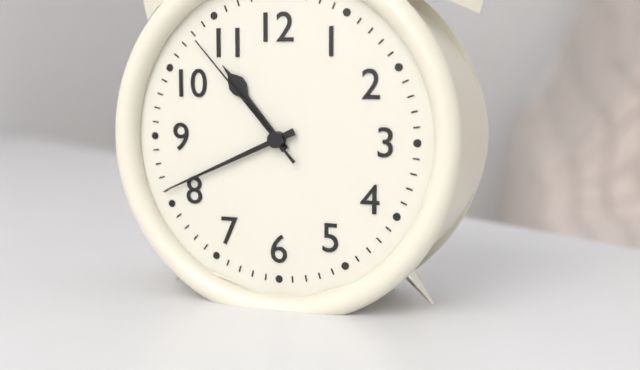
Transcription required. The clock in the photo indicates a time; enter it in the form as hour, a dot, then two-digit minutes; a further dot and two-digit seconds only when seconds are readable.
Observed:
10.41.53
